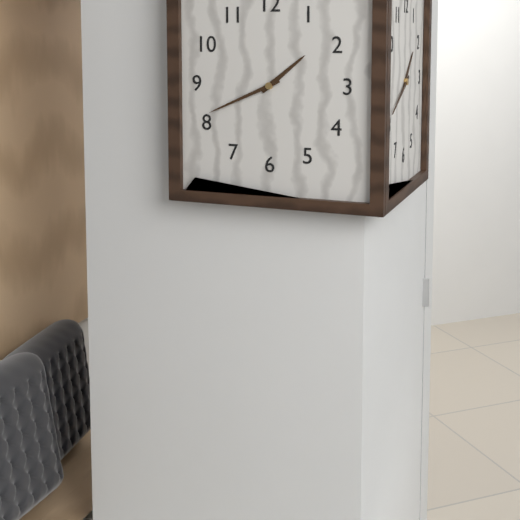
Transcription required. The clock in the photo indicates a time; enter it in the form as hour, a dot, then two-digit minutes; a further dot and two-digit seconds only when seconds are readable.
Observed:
1.41
